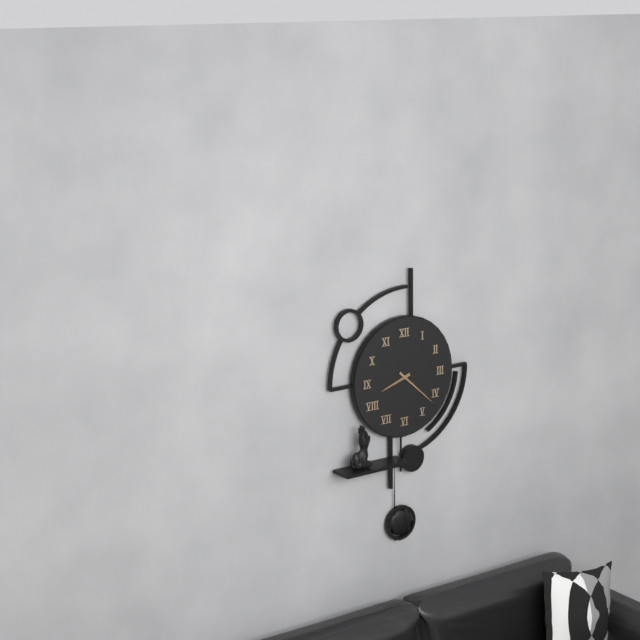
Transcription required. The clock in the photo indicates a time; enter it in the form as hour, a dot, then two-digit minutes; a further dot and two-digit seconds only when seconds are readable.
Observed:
8.22
